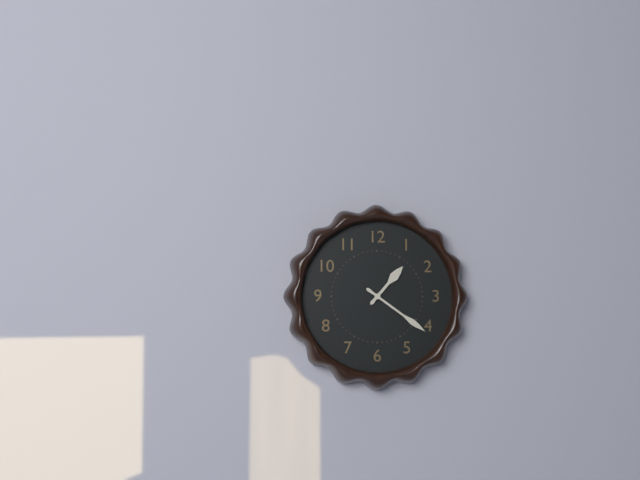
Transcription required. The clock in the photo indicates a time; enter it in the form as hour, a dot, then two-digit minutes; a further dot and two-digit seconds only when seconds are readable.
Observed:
1.21
